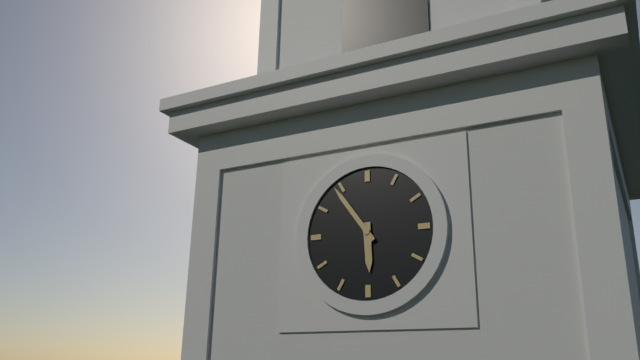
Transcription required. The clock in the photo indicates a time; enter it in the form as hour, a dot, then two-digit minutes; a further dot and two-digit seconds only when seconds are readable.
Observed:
5.54
